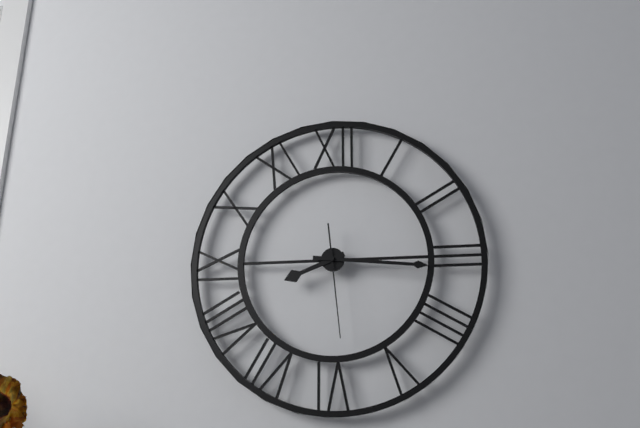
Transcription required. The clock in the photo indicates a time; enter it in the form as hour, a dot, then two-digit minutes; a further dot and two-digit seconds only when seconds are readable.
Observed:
8.16.29
